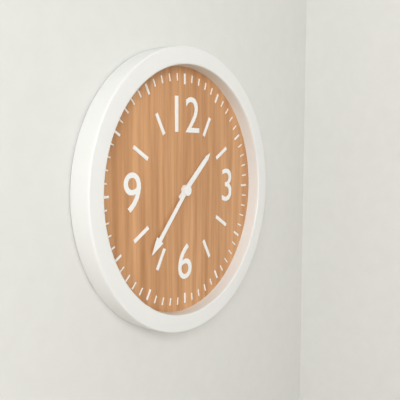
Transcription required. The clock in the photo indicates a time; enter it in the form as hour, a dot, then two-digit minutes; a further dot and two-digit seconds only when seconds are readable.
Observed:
1.37
